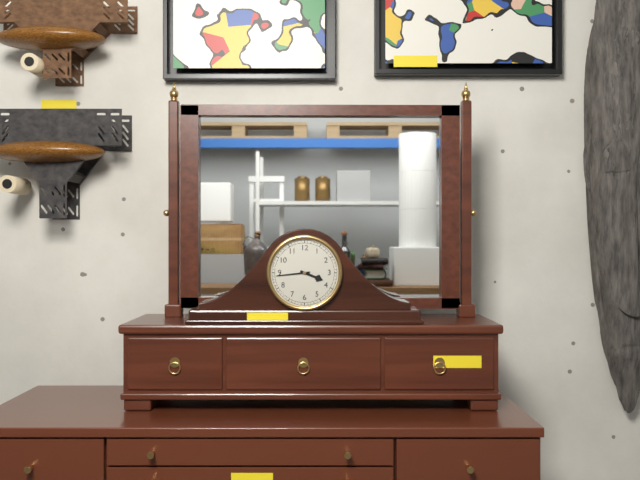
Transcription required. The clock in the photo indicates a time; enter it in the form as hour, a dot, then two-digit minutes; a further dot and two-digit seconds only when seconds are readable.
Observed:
3.44
